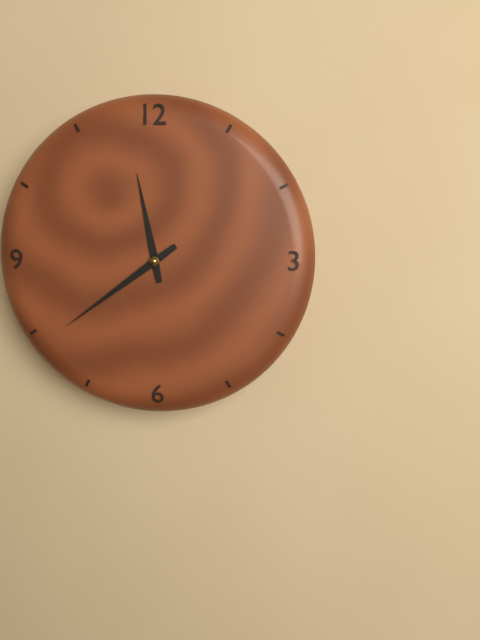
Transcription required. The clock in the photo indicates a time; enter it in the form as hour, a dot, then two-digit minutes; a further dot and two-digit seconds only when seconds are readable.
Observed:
11.39
